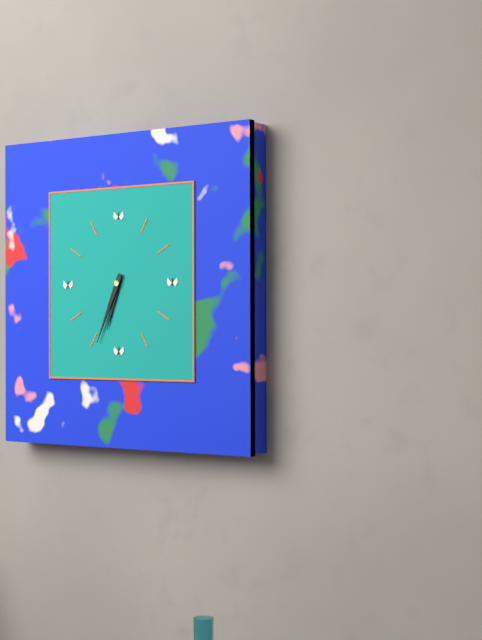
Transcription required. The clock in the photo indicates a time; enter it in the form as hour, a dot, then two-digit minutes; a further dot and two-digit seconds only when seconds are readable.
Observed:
6.34
